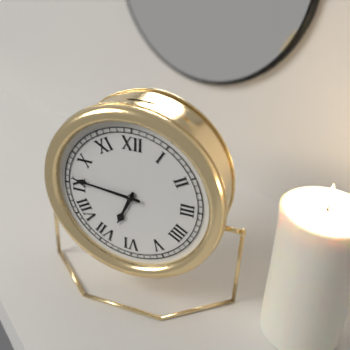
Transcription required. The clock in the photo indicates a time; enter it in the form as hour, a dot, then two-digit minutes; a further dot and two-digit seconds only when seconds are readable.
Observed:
6.46
